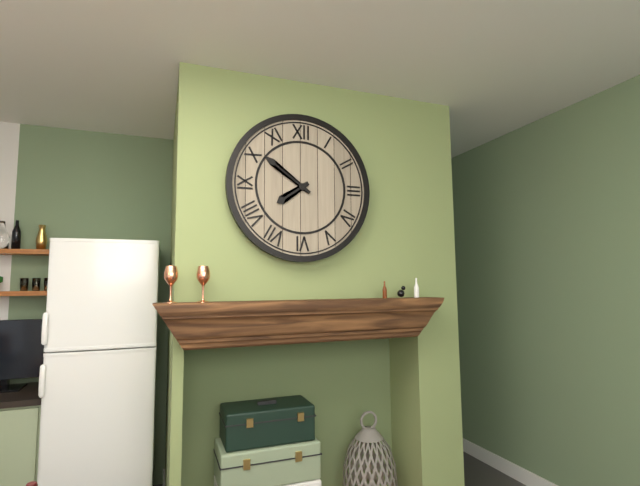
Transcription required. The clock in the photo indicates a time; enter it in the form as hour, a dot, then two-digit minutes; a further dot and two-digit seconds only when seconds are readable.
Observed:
7.51
